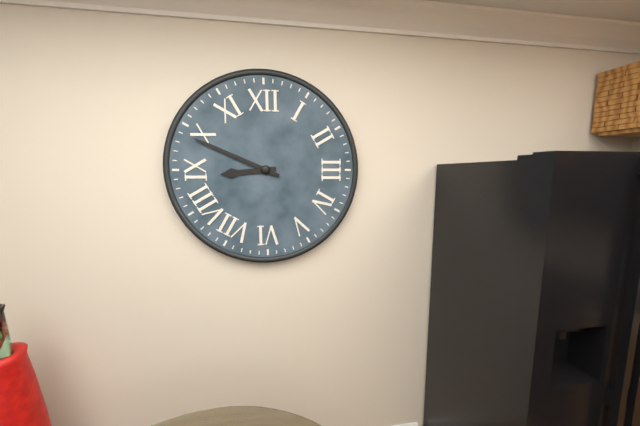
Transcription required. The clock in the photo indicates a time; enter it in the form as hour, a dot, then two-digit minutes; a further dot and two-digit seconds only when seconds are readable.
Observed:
8.49
